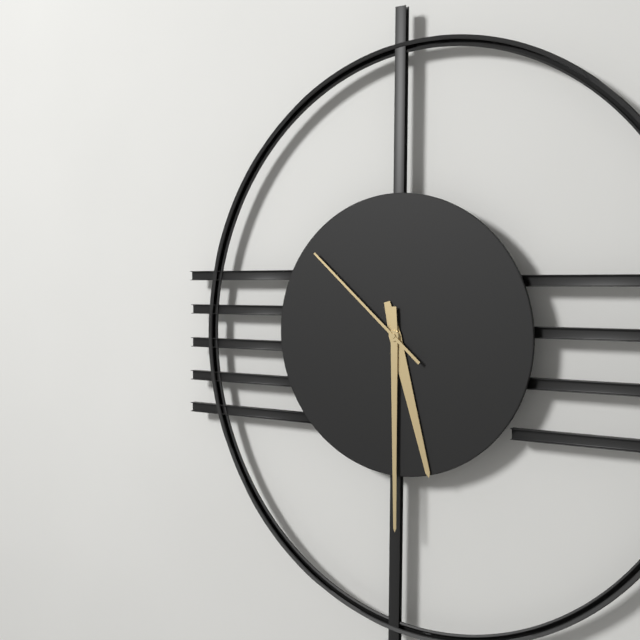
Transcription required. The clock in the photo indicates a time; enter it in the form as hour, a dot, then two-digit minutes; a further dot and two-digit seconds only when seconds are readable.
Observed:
5.30.52
